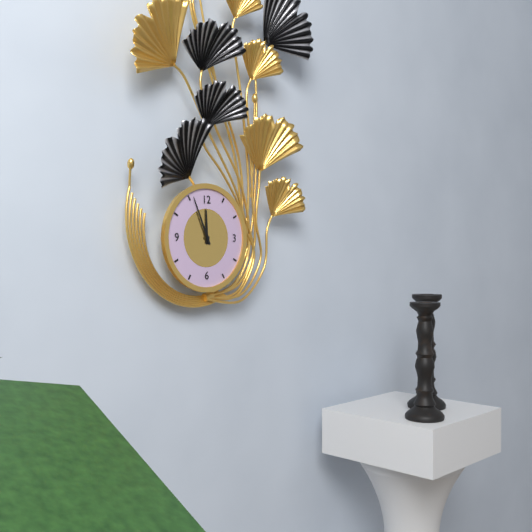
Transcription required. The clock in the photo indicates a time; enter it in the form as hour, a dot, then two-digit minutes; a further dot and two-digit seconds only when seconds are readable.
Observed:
11.56
